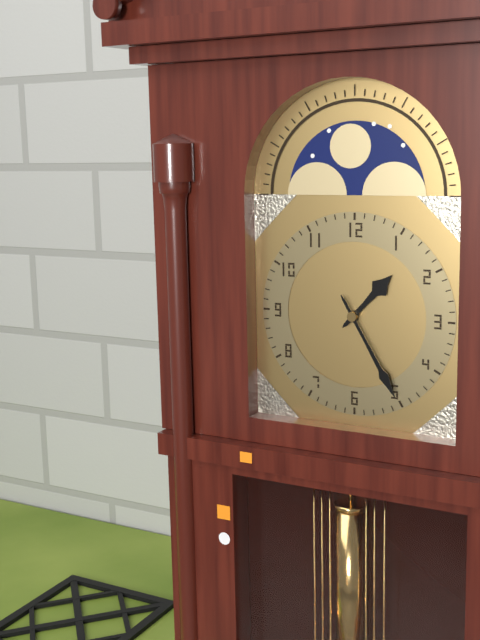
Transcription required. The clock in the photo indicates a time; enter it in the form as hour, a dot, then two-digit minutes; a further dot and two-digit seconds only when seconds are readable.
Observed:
1.25
